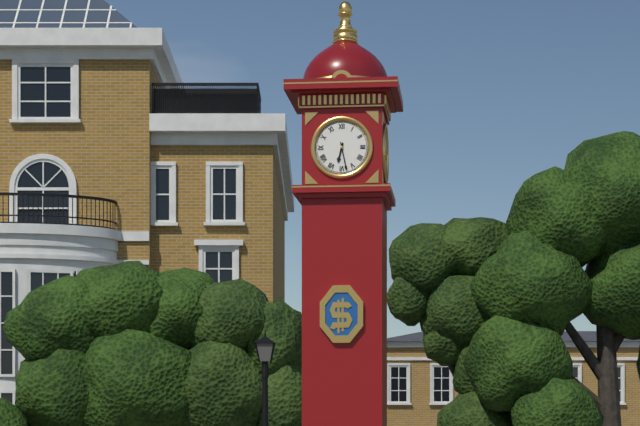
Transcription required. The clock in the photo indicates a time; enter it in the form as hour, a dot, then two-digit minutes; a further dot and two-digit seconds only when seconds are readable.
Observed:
6.28
